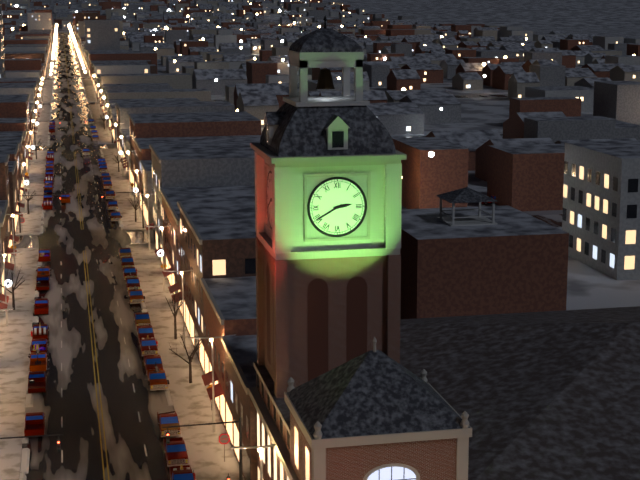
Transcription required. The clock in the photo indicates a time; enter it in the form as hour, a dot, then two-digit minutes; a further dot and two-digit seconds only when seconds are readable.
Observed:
2.40
